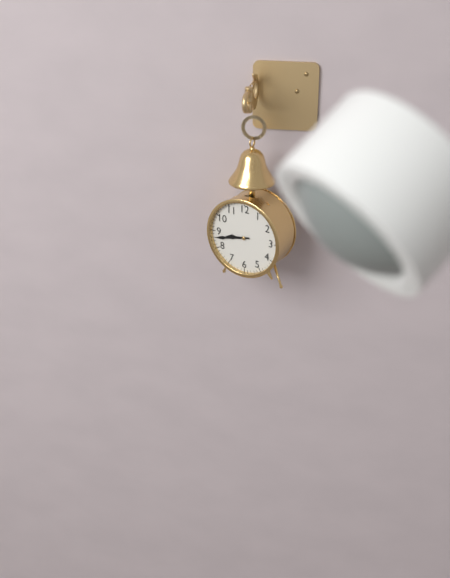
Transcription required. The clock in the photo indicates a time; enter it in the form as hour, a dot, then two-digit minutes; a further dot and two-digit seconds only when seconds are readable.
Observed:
8.43
